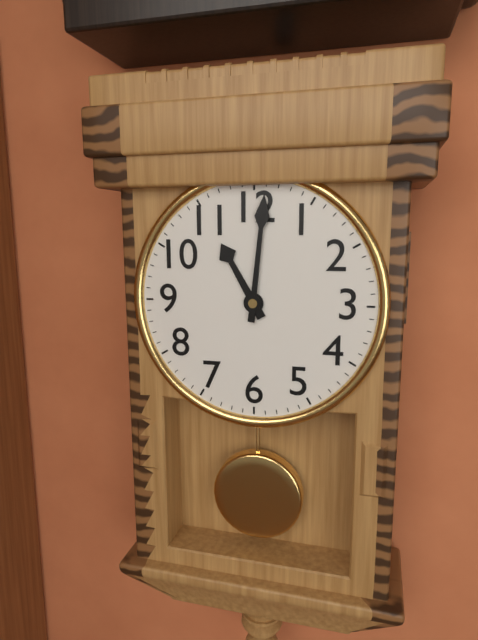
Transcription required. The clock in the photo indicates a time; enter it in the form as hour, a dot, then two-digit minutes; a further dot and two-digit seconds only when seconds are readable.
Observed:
11.01
